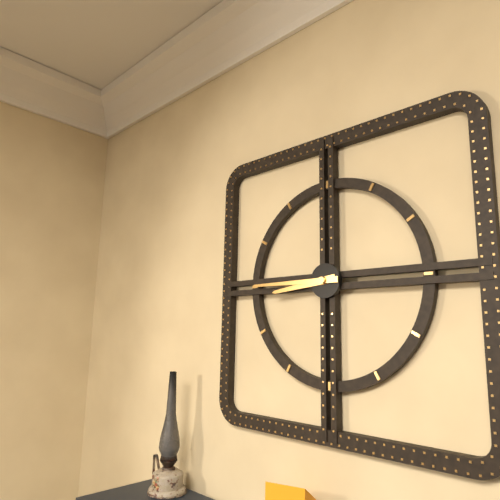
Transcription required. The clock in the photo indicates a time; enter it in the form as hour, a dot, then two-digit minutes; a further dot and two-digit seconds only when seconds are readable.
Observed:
8.45
